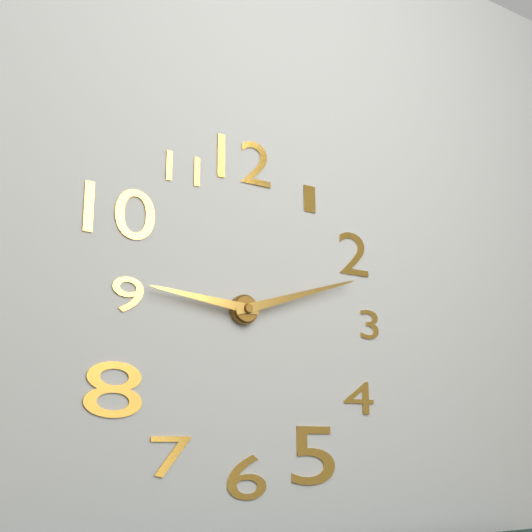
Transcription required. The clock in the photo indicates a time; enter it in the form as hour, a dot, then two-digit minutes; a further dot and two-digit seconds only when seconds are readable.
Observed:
9.12
